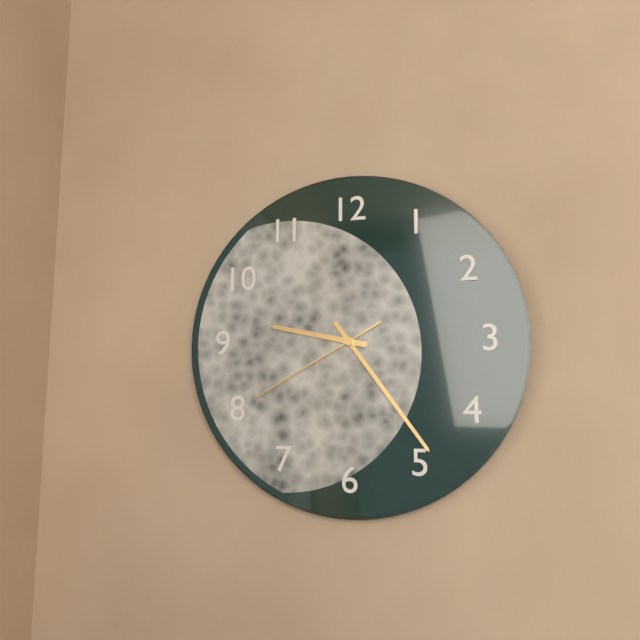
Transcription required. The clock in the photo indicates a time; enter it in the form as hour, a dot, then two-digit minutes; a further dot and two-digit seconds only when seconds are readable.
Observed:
9.24.40
